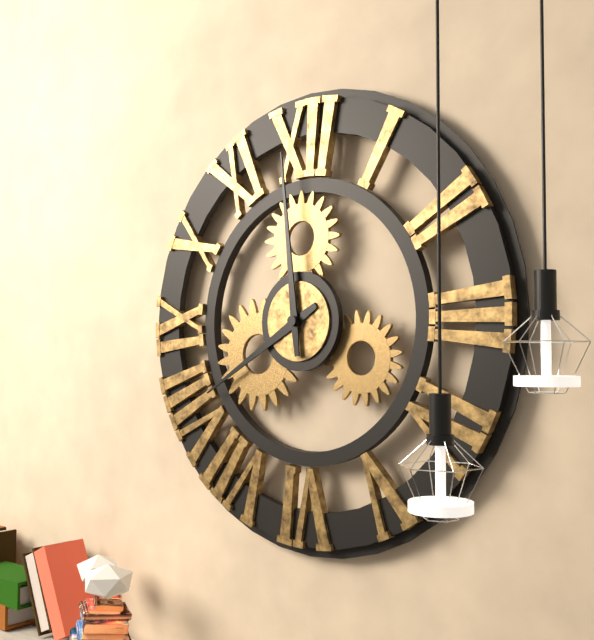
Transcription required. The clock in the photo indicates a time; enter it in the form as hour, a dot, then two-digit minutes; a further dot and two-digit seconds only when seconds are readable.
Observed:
7.59
